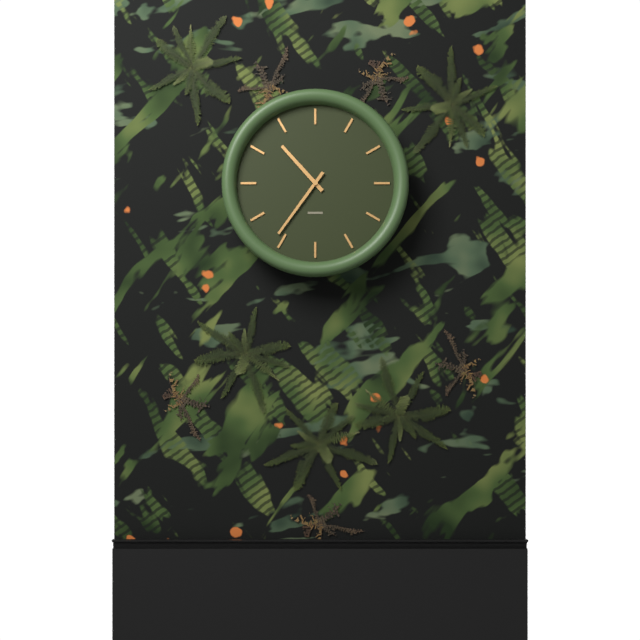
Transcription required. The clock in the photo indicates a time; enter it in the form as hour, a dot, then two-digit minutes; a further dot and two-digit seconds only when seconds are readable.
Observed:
10.36
